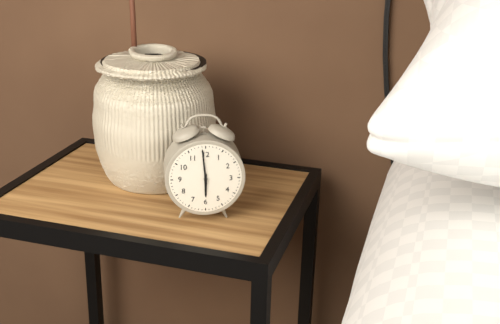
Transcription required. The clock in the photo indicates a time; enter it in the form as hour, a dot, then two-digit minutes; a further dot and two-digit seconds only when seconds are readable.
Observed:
5.59
